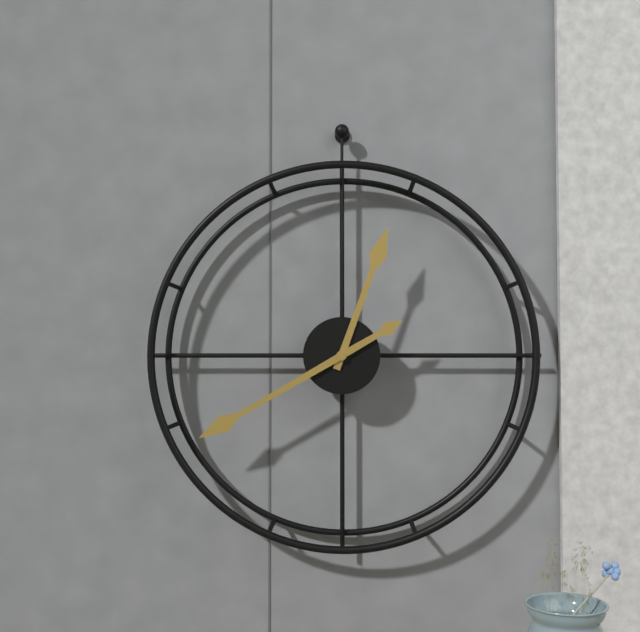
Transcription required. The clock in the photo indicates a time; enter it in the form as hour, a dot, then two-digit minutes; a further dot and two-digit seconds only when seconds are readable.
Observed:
12.40
